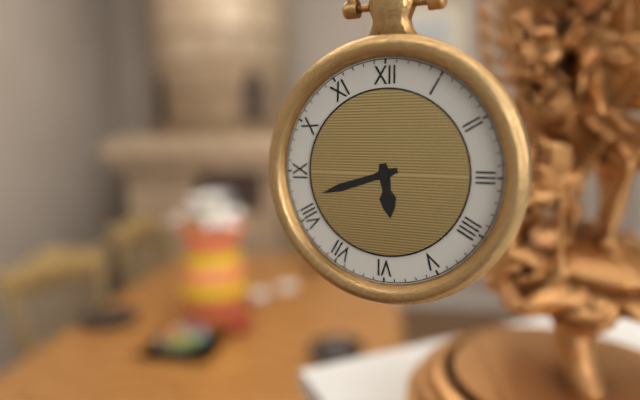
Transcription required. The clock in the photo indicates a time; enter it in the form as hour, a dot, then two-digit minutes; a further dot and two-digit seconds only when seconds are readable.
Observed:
5.42
